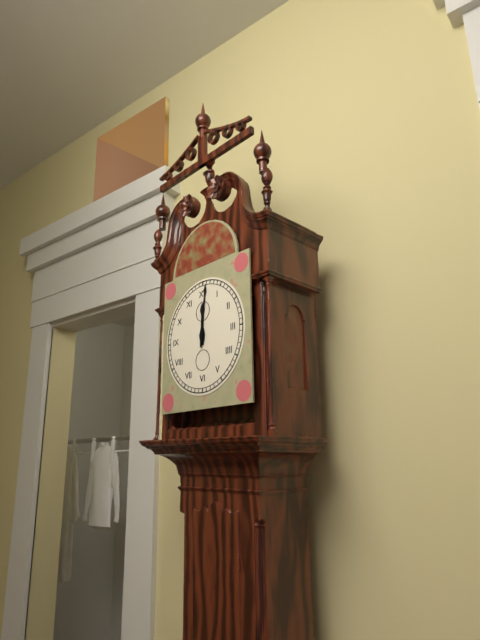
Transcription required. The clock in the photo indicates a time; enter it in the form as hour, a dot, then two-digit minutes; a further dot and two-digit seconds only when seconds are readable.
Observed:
12.01
